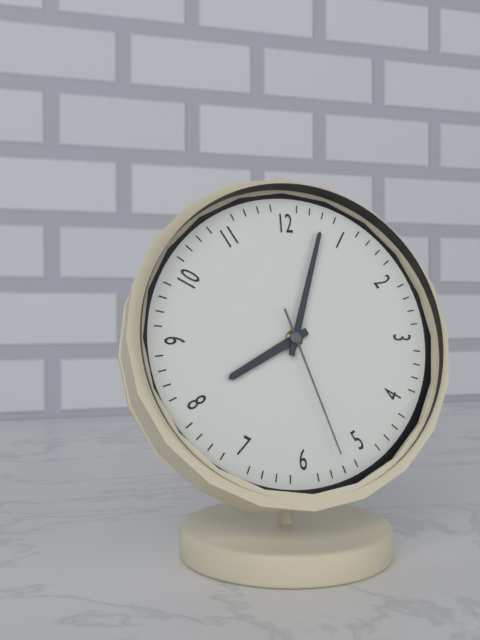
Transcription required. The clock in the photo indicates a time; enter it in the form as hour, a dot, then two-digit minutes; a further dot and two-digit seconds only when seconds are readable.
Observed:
8.03.27
